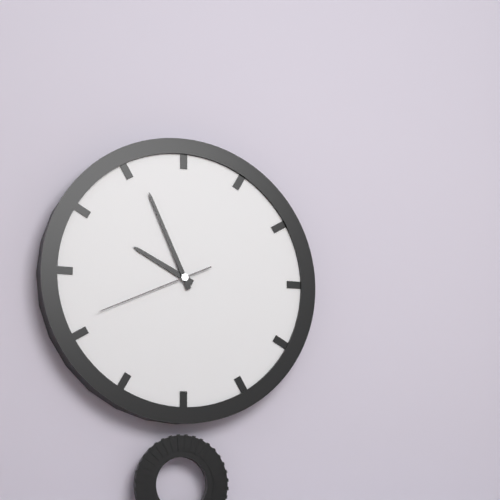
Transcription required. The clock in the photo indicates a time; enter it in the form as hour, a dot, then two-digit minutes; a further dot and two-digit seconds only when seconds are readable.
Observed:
9.56.41
